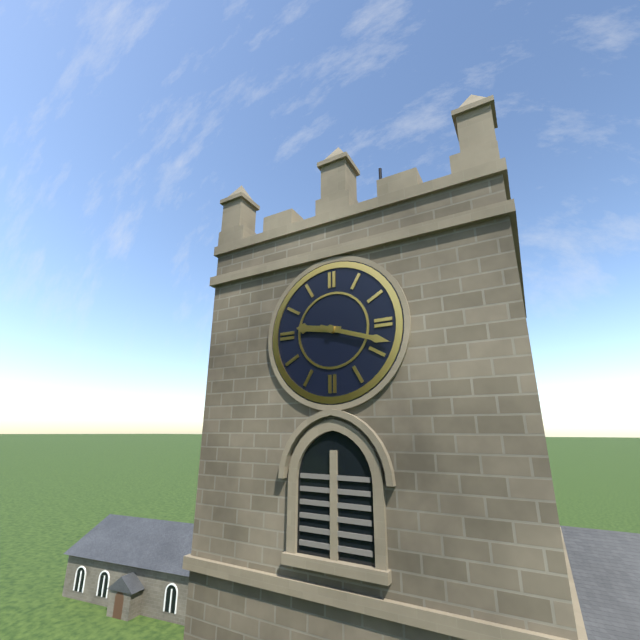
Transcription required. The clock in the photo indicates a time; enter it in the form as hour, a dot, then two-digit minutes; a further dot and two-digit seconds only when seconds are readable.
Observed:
9.18
